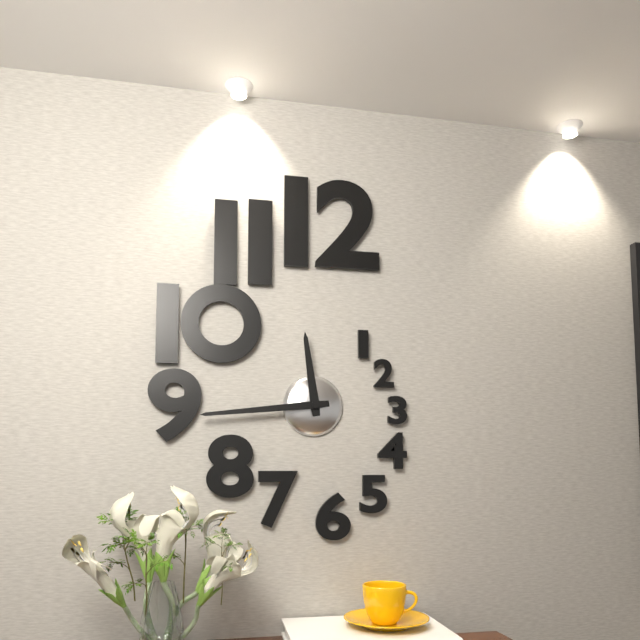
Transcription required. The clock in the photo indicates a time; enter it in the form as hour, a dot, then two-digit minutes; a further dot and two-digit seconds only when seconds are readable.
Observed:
11.44
